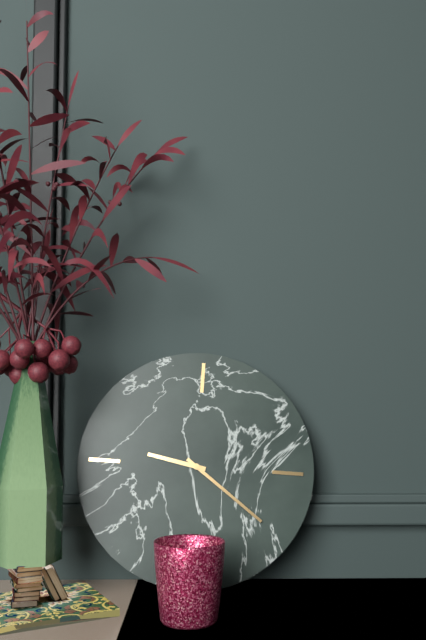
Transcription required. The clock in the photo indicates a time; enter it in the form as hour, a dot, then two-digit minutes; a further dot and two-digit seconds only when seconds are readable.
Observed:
9.21
